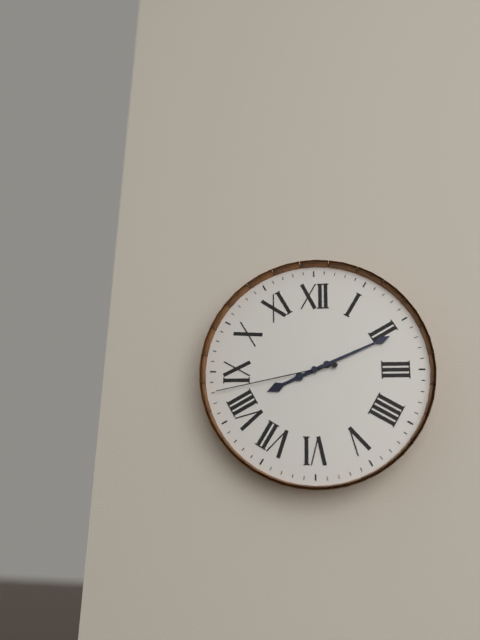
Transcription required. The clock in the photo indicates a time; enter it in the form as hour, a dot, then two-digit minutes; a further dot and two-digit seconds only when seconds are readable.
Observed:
8.11.43
